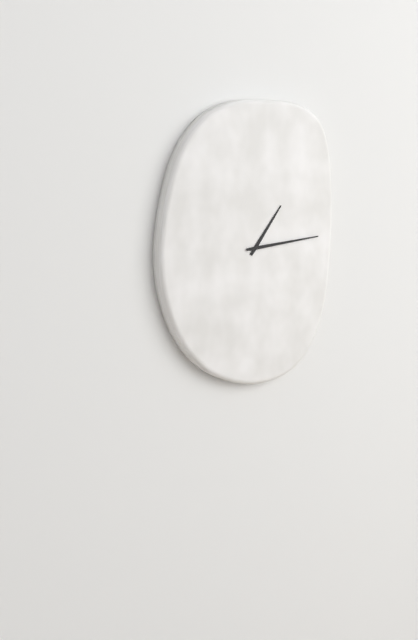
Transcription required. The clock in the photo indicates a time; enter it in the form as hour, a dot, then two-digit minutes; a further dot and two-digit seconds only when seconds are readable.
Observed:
1.14
